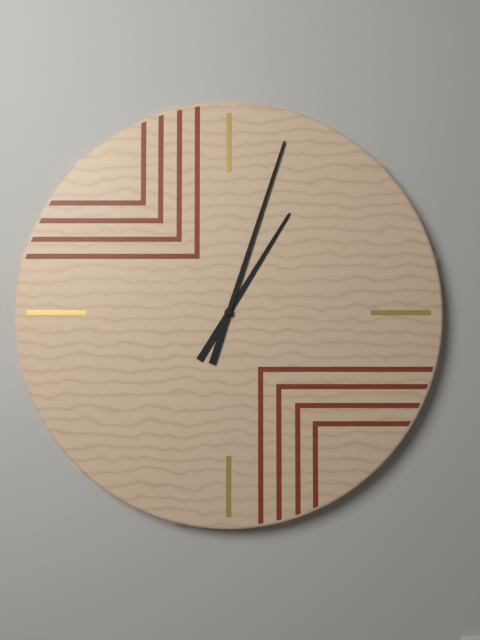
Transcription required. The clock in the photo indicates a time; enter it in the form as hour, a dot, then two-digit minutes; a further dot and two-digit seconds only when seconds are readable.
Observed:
1.03
